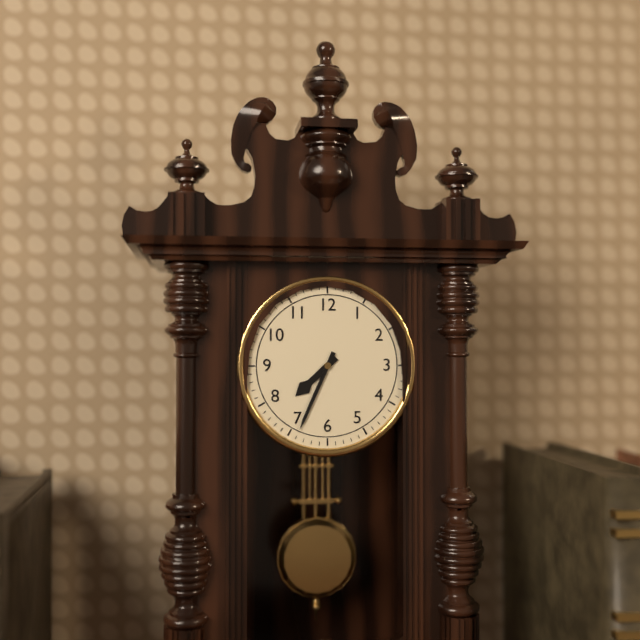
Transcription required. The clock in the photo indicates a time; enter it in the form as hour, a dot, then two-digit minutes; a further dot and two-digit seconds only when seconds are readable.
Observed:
7.34
